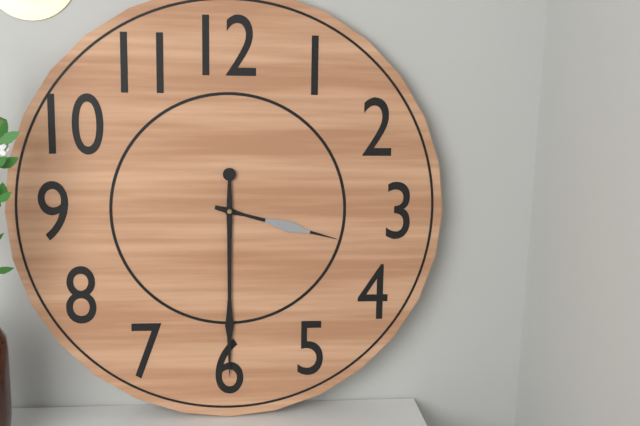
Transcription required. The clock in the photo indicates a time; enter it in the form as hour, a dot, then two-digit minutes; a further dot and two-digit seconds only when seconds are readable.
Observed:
3.30
